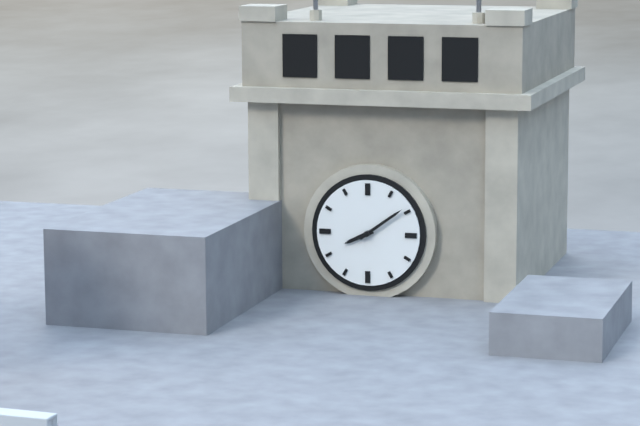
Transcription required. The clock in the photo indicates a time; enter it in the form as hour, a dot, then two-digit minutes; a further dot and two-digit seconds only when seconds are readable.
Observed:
8.09
